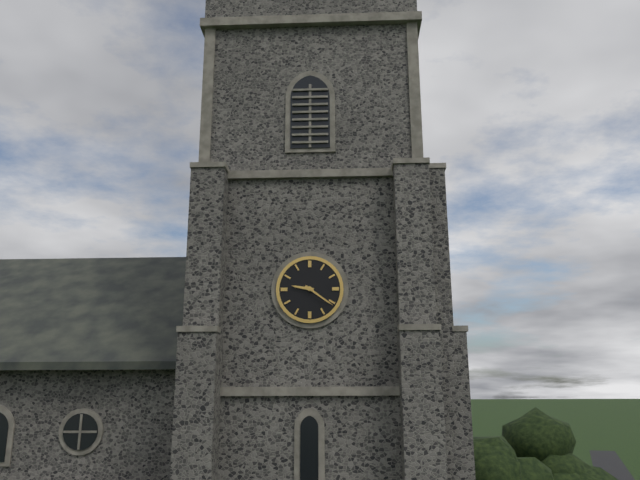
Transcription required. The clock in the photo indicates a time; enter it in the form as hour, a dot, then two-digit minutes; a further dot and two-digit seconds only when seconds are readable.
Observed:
9.21
